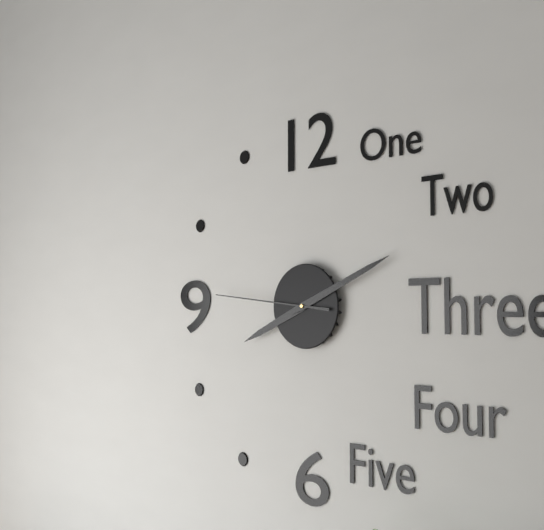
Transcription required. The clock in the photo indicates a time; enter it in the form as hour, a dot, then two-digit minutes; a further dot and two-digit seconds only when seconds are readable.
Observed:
8.11.46
